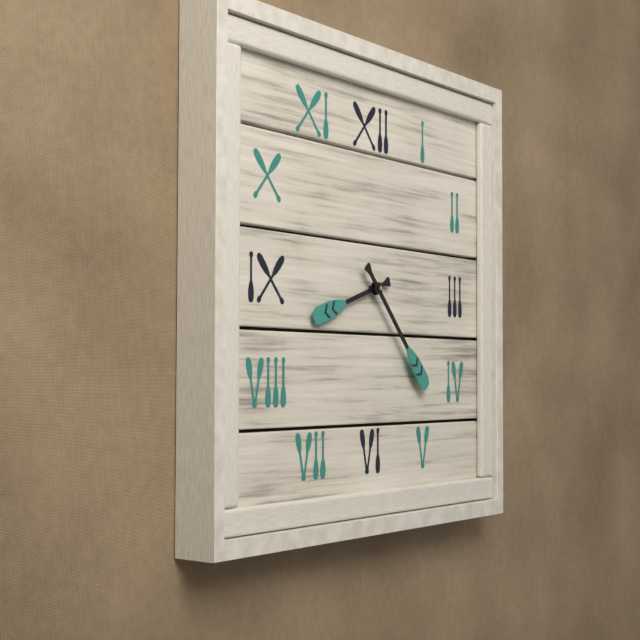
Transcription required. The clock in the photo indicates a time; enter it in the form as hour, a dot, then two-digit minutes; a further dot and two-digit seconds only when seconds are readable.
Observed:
8.23
